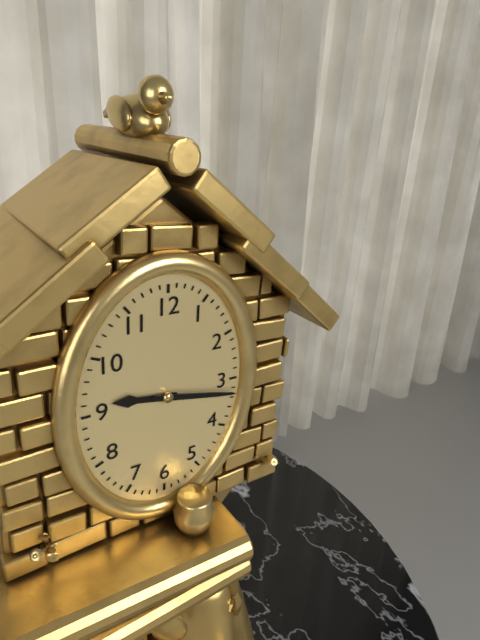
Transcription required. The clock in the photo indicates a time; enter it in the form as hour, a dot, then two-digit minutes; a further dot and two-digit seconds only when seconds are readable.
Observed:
9.17
